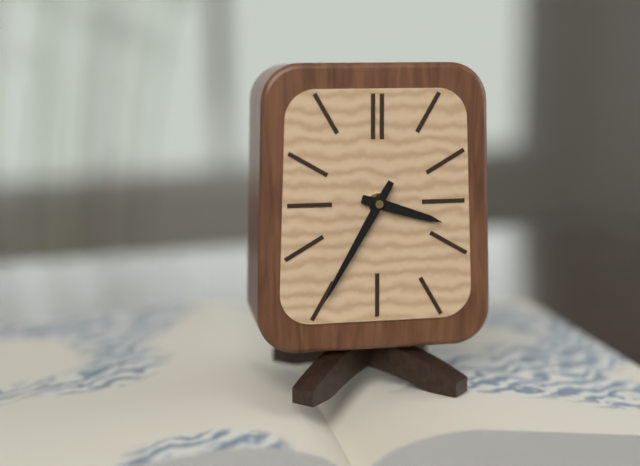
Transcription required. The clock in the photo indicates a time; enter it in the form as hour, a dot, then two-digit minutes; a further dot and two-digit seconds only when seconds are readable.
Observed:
3.35
